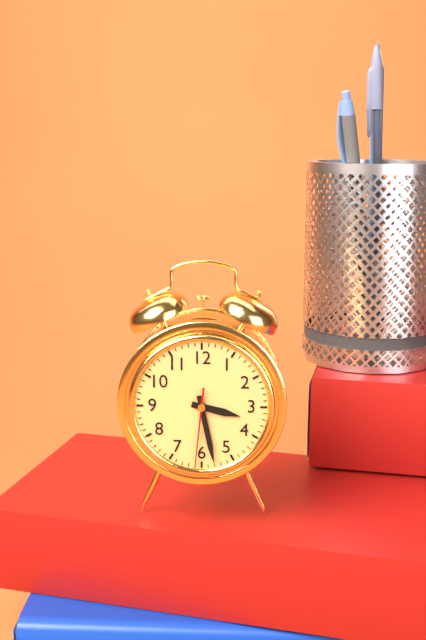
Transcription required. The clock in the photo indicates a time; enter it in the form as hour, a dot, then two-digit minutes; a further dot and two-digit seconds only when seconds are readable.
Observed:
3.28.31
